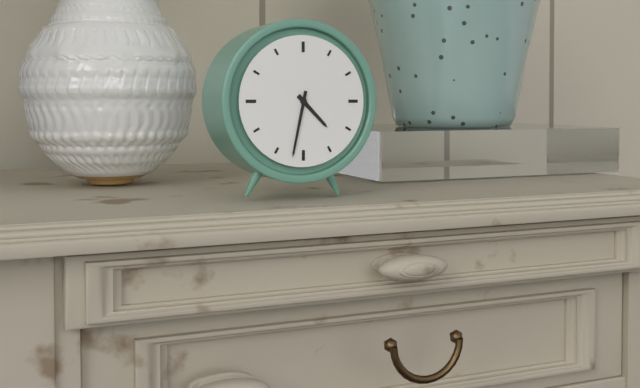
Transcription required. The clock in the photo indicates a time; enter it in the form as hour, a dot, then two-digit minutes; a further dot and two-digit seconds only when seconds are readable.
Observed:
4.32
